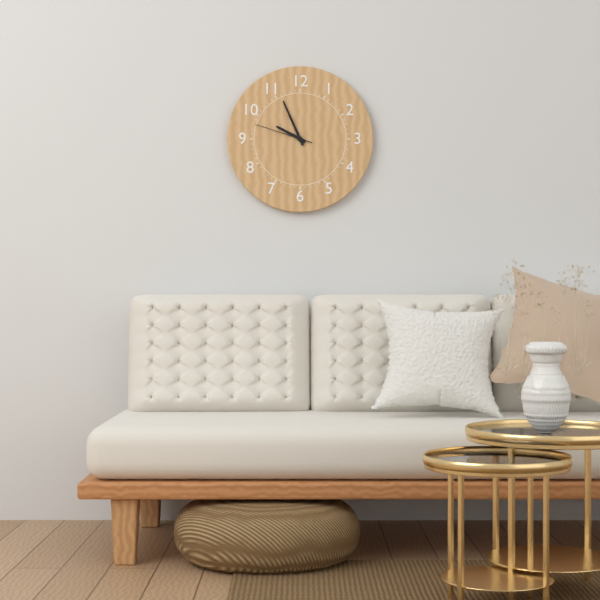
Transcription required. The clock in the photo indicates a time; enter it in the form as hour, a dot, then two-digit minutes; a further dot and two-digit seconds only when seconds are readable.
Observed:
9.56.48
